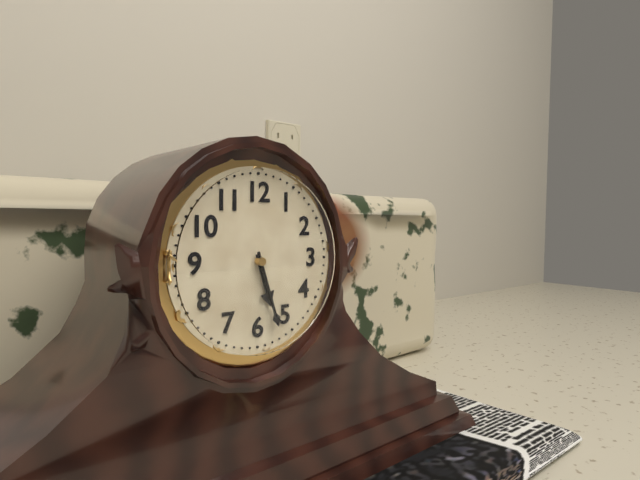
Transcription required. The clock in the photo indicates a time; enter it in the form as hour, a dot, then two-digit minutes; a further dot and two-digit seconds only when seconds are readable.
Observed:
5.27
